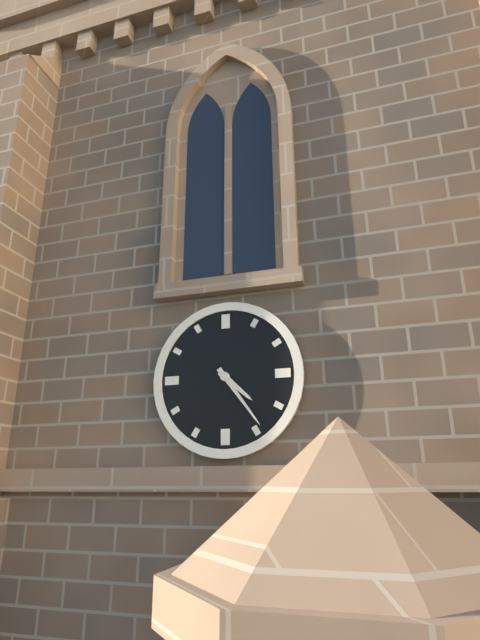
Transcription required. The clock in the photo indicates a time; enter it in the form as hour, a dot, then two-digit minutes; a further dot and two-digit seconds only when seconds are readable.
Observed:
4.24
